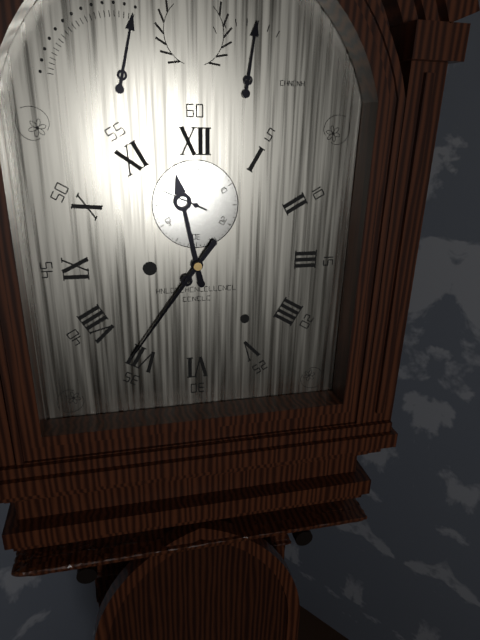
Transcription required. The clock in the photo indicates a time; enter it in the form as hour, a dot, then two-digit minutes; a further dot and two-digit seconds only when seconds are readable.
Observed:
11.36.49
